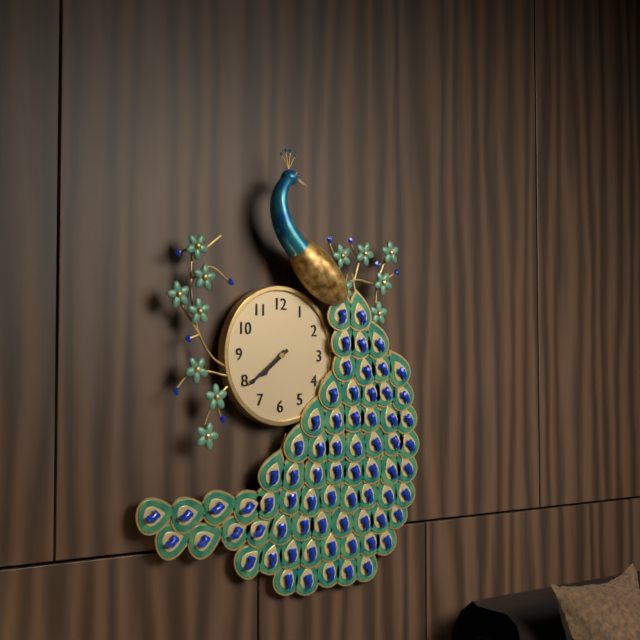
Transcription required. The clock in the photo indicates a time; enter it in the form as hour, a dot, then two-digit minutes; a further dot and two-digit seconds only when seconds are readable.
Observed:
7.39
